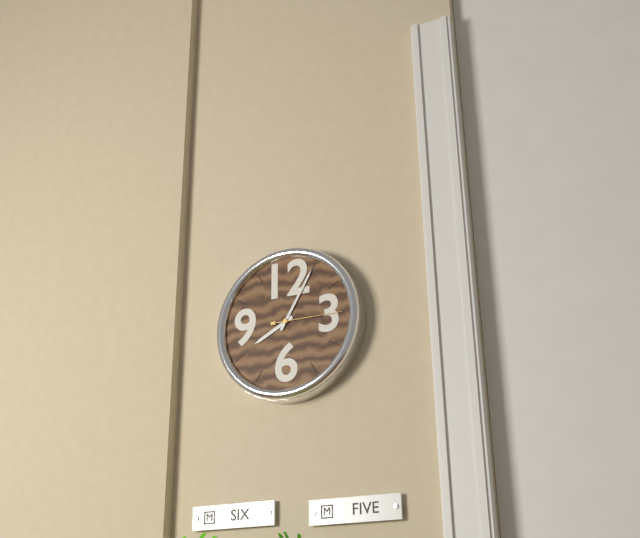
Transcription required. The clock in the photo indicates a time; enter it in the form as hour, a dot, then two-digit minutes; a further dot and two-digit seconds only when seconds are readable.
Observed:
8.05.15
